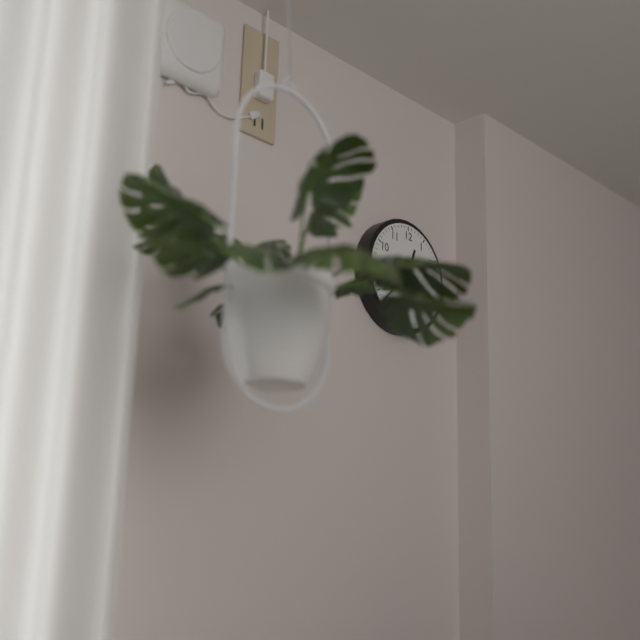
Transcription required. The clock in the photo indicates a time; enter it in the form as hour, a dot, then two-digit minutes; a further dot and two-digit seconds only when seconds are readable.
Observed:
12.38
